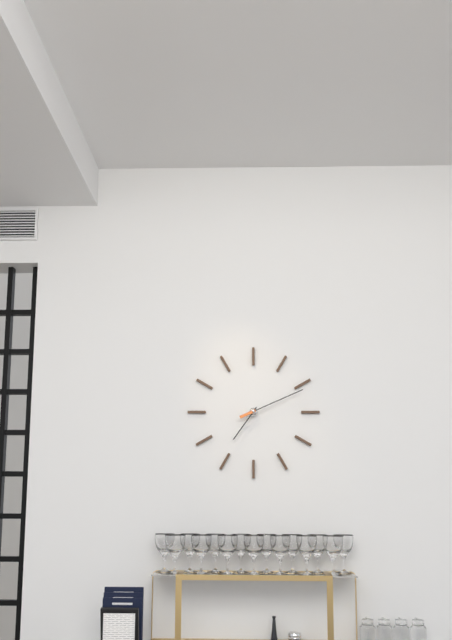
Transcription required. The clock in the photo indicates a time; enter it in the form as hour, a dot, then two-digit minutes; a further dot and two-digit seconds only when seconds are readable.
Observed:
7.11
